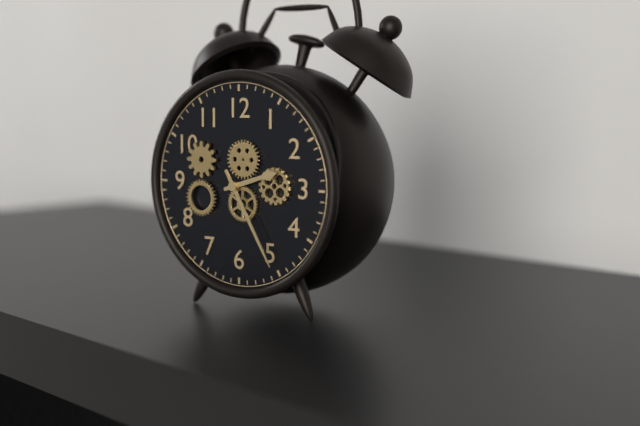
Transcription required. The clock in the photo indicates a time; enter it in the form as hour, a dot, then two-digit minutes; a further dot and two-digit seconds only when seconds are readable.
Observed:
2.25
